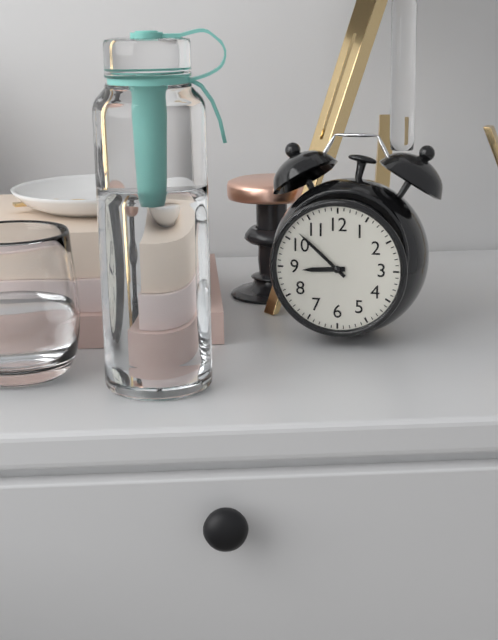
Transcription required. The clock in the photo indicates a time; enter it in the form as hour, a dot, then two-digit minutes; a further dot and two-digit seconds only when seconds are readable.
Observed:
8.52
